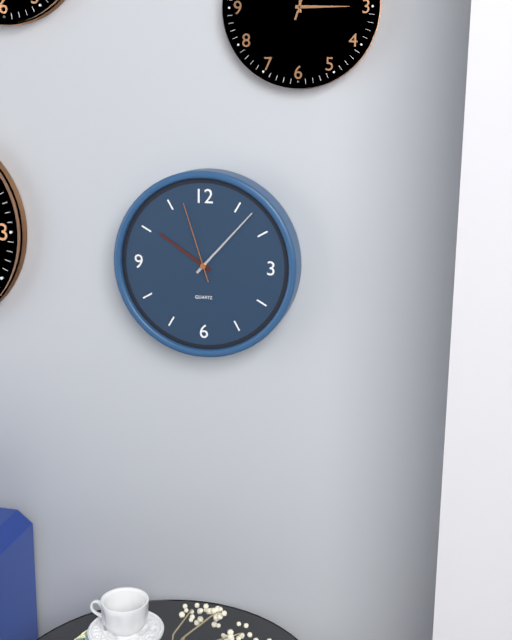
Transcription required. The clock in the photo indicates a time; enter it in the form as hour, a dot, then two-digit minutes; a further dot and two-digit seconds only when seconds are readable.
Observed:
10.07.57
